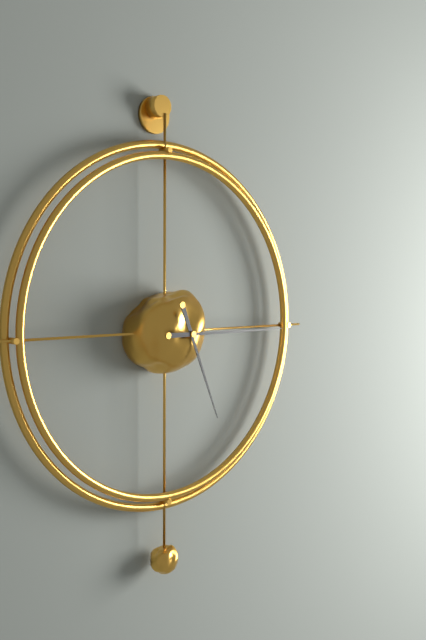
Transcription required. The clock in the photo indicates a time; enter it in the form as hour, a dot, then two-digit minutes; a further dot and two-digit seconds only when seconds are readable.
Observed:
5.15
